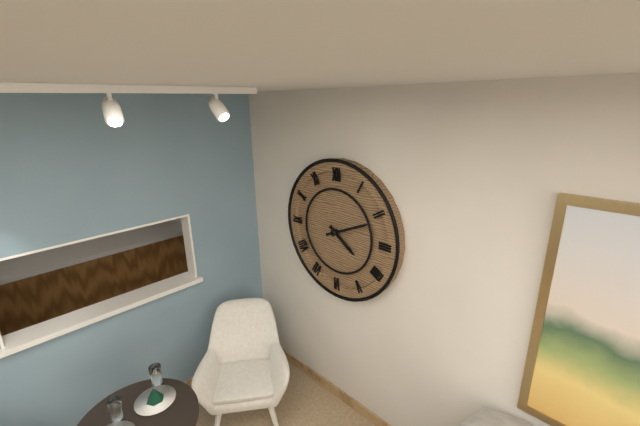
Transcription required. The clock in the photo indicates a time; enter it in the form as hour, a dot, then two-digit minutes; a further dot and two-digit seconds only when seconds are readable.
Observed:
4.11
